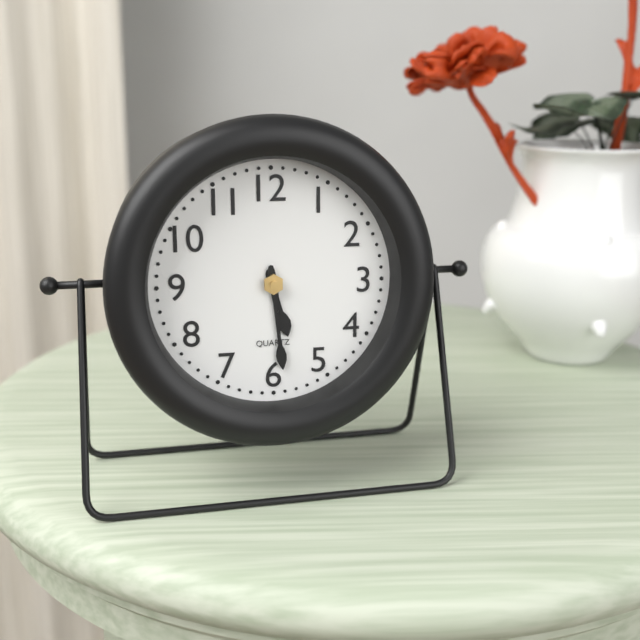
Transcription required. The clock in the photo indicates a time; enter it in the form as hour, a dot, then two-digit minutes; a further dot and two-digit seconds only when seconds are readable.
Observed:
5.29
